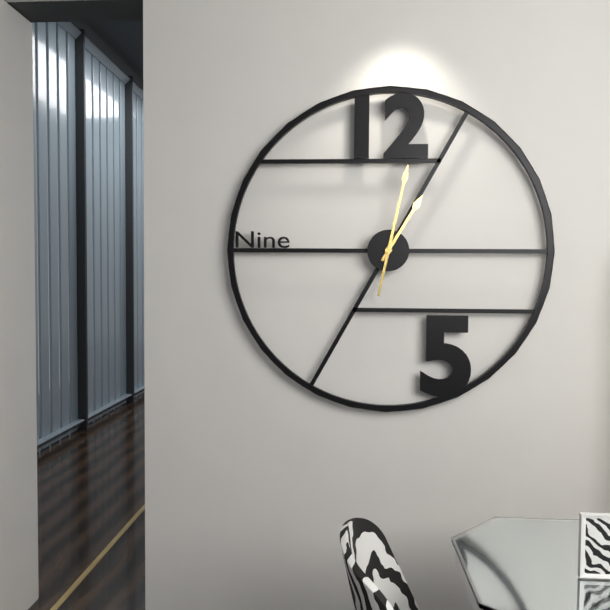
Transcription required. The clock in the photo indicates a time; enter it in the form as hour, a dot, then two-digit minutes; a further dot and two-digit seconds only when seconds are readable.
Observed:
1.02
